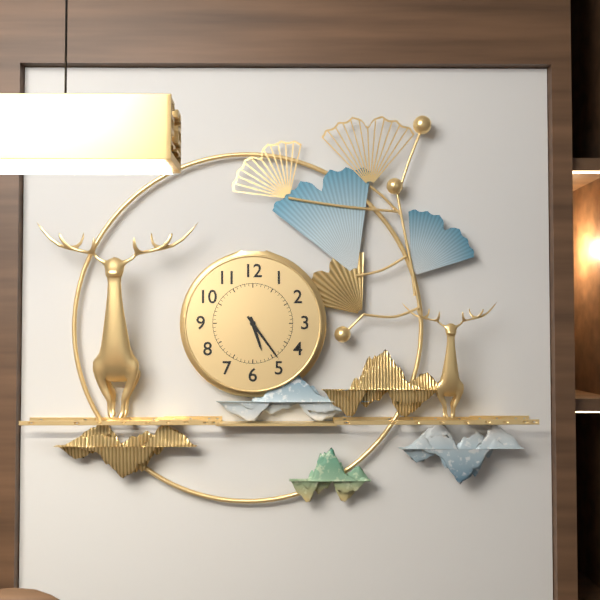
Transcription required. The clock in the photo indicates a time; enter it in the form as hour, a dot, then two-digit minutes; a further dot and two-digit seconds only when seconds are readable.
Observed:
5.24
